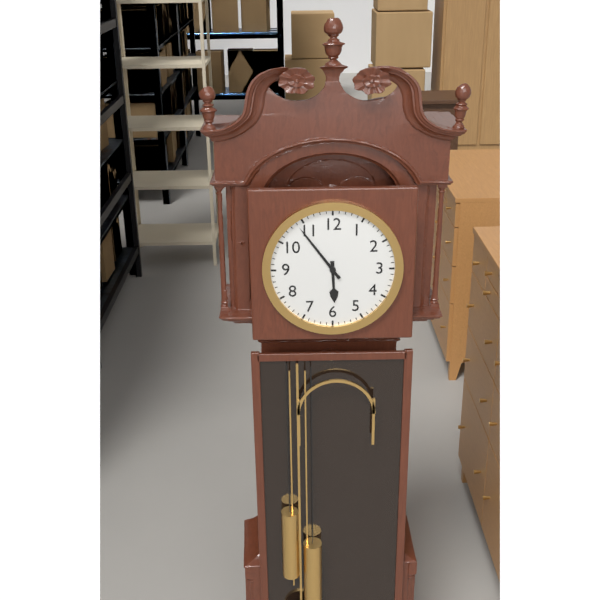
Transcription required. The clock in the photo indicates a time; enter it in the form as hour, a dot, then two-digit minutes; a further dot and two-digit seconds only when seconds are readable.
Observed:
5.54
